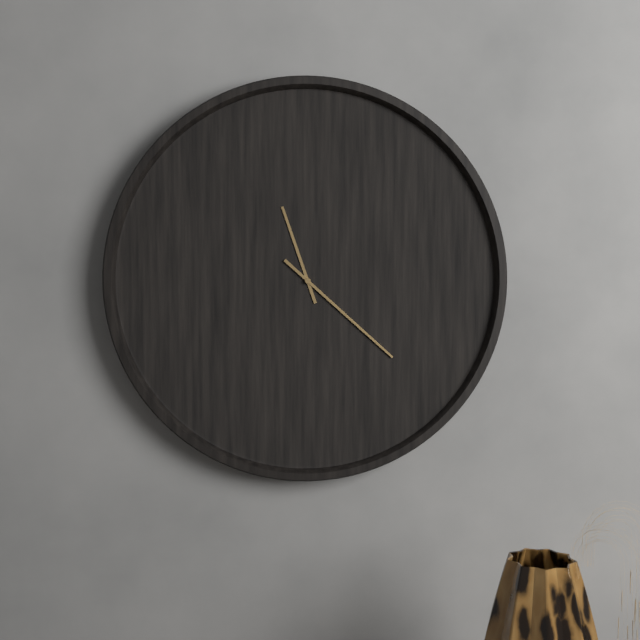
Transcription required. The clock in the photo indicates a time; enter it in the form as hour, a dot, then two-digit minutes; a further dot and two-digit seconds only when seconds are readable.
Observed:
11.22
